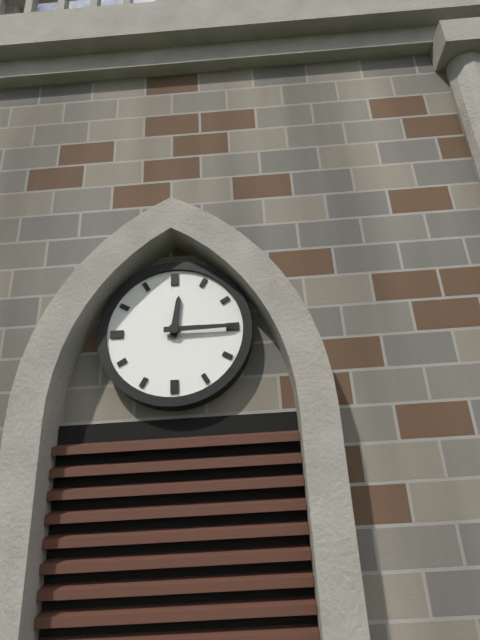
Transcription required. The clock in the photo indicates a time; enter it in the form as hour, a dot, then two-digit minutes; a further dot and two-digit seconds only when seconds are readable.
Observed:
12.15
